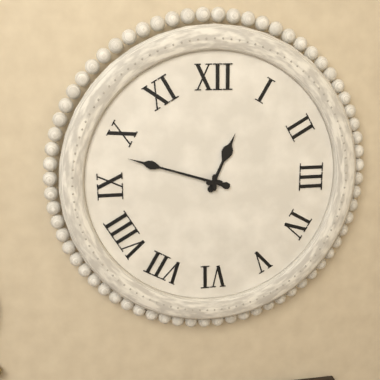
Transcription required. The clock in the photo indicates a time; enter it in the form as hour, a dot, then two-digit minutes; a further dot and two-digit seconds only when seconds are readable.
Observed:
12.48
